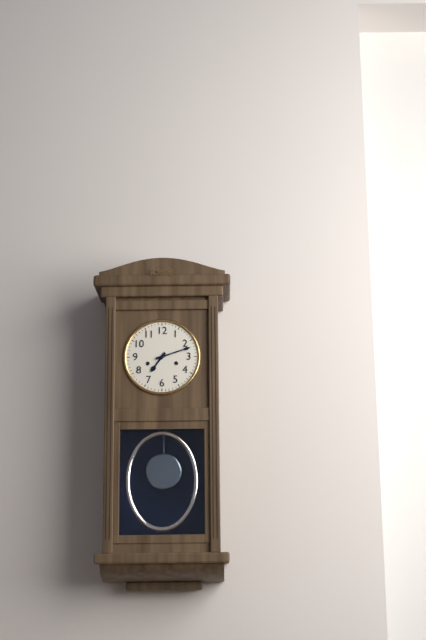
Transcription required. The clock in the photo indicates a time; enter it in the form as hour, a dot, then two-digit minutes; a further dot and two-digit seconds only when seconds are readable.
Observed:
7.12
